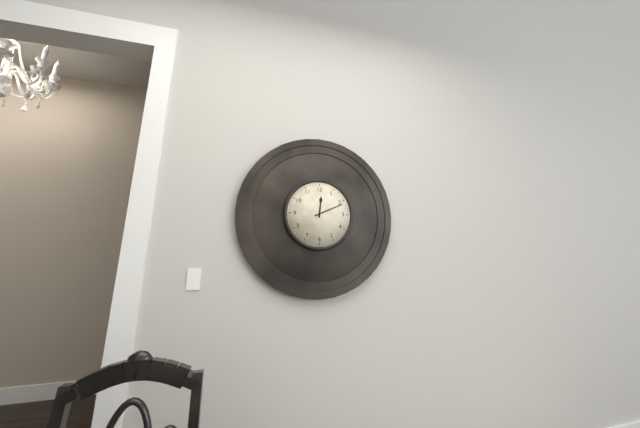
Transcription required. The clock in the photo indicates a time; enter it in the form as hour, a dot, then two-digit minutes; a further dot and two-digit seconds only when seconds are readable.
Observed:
12.11
